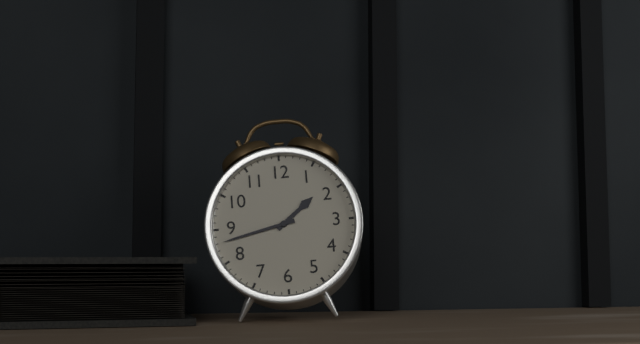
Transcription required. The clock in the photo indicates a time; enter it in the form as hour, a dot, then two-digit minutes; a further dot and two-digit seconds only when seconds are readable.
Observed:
1.43
